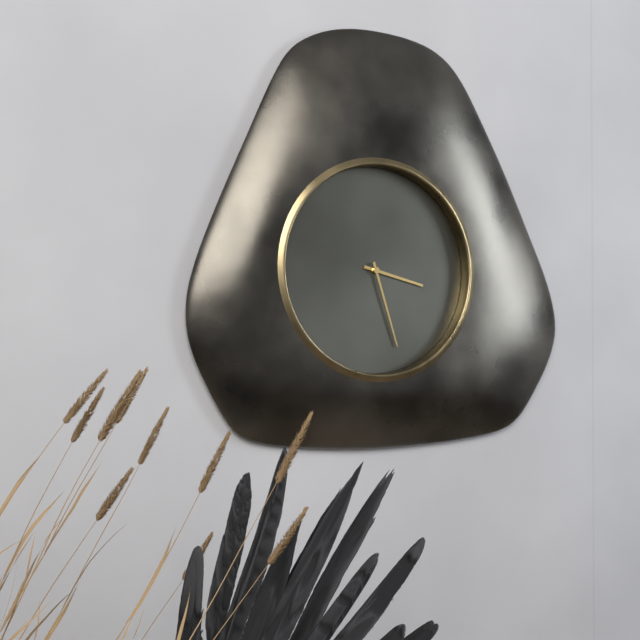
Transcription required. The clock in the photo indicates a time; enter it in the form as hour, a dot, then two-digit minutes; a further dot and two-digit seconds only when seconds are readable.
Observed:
3.27
